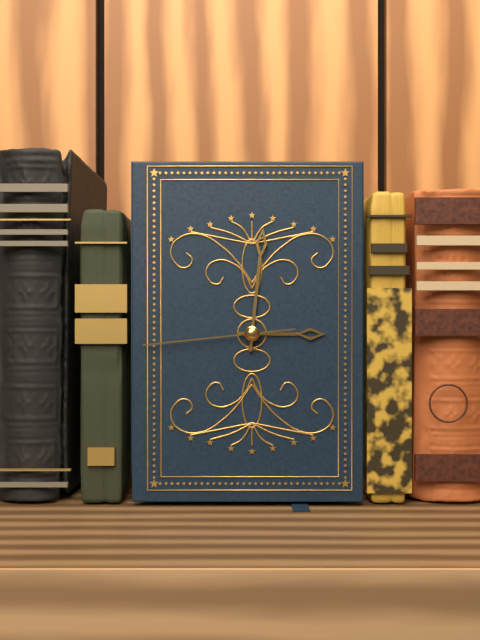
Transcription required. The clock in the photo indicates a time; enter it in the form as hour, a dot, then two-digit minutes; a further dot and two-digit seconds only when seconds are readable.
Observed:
3.01.44
